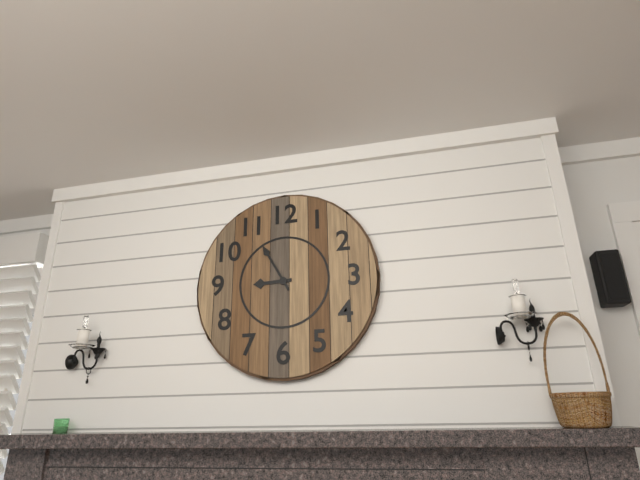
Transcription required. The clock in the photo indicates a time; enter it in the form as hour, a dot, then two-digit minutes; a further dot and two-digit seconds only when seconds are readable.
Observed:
8.55
